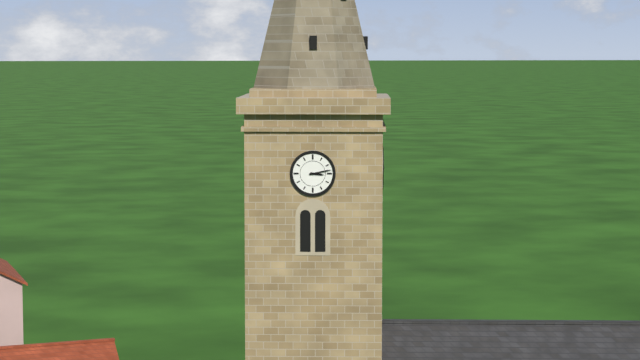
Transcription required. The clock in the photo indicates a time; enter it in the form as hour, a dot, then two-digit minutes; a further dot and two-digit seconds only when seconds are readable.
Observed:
3.13
